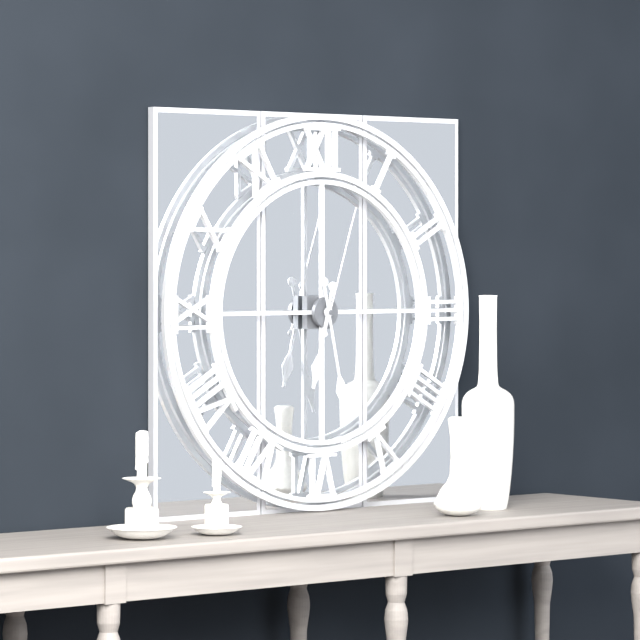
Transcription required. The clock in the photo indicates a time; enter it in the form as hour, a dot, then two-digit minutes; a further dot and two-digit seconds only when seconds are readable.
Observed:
6.28.03
